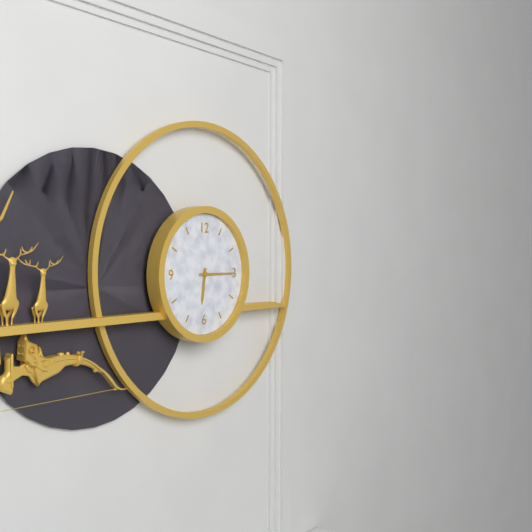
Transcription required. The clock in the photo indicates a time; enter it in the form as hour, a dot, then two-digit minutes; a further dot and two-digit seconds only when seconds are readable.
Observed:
6.15
